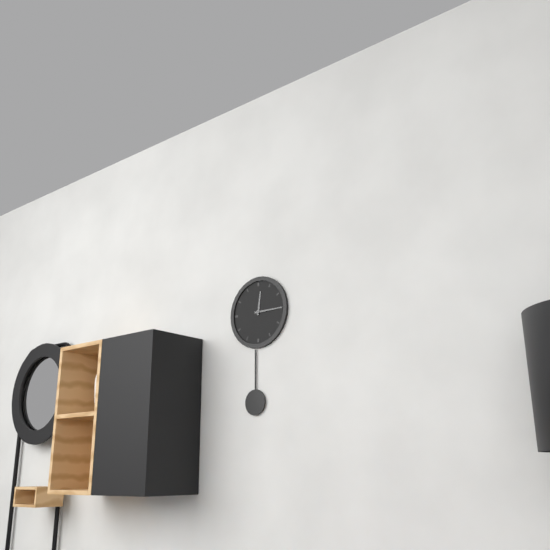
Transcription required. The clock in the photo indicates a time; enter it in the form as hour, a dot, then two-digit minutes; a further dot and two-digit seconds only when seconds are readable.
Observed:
12.15
